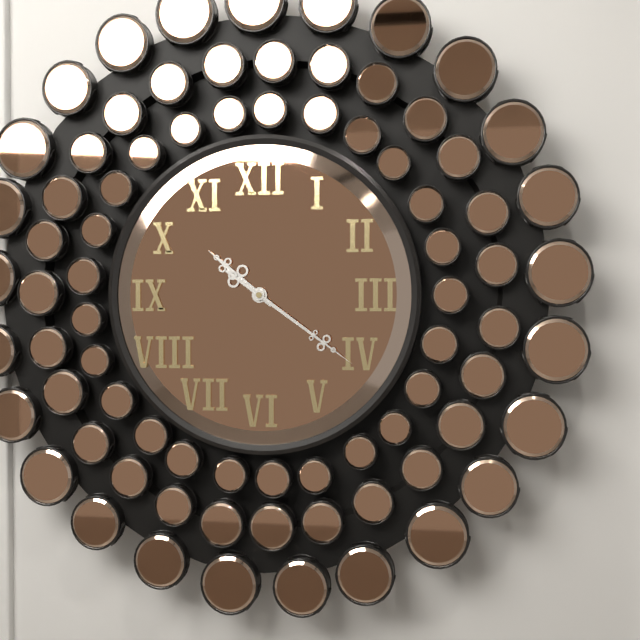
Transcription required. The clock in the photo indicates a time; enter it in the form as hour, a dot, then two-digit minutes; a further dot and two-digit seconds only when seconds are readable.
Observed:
10.21
